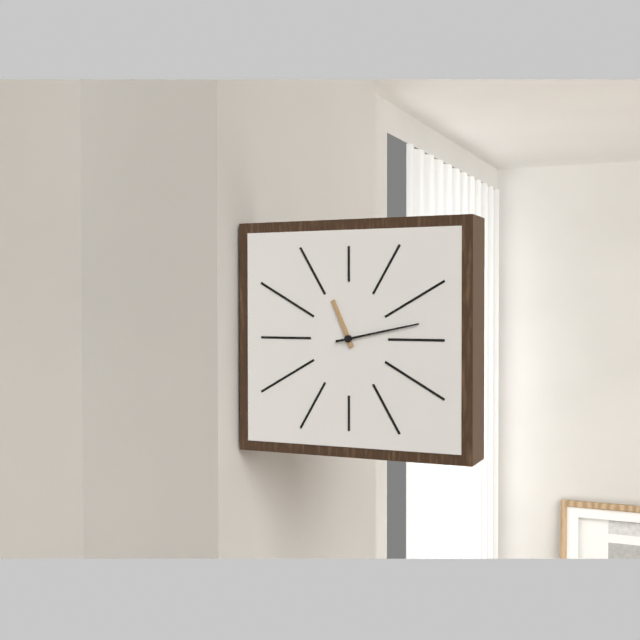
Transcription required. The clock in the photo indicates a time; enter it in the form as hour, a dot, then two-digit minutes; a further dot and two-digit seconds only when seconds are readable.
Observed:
11.13
